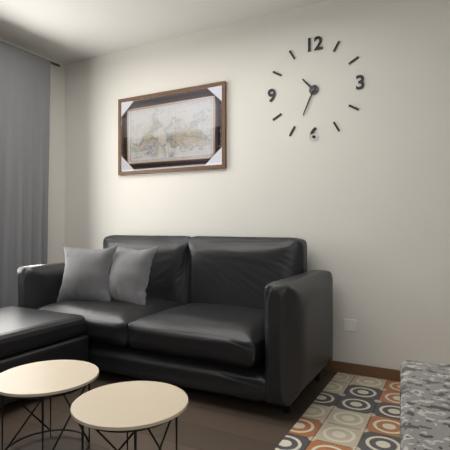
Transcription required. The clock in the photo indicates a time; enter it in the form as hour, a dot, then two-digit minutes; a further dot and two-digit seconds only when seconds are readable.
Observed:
10.34
